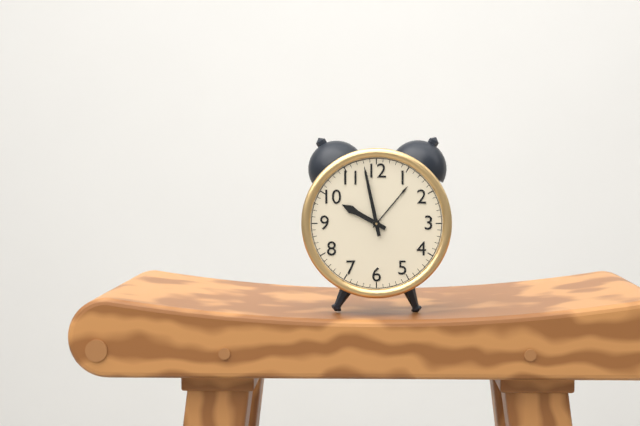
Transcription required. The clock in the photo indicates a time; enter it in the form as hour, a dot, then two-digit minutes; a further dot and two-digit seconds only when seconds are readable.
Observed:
9.58
